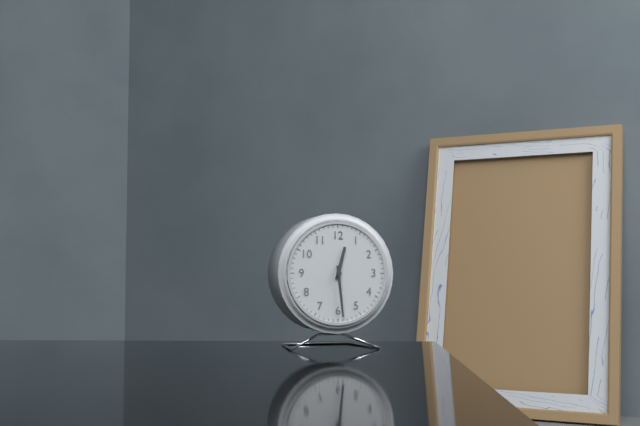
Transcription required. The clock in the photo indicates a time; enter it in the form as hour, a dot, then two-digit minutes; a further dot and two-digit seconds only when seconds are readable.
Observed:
12.29
